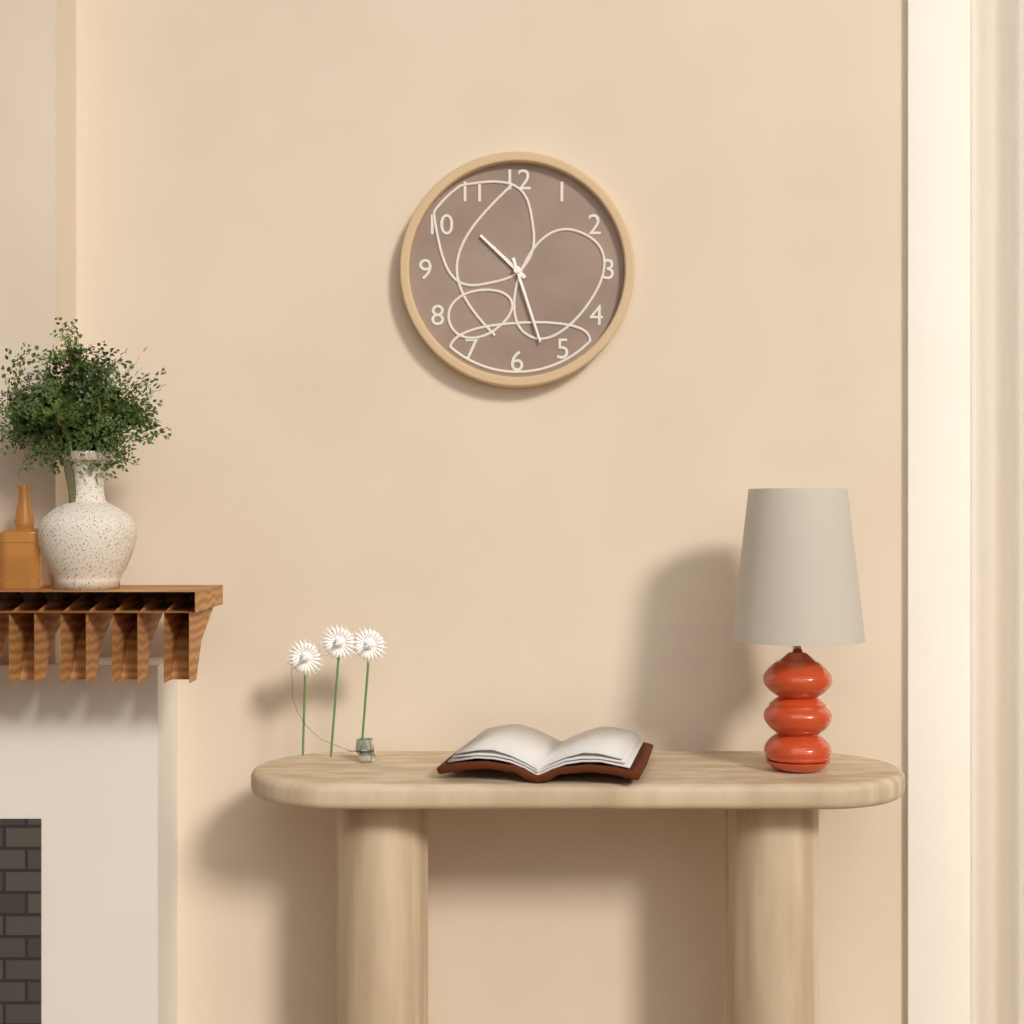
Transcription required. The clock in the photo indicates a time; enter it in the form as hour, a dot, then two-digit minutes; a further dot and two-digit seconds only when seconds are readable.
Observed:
10.27
